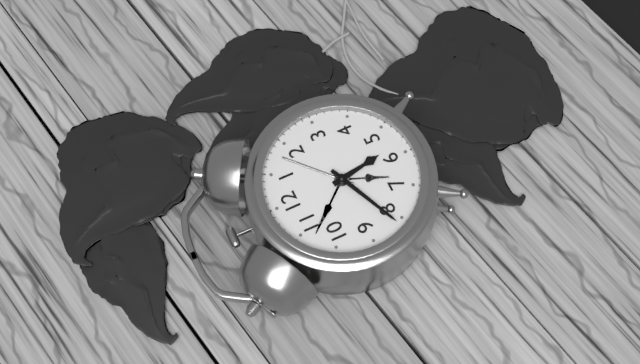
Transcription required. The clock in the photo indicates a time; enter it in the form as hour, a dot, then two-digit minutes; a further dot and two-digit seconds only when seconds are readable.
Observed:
5.41
